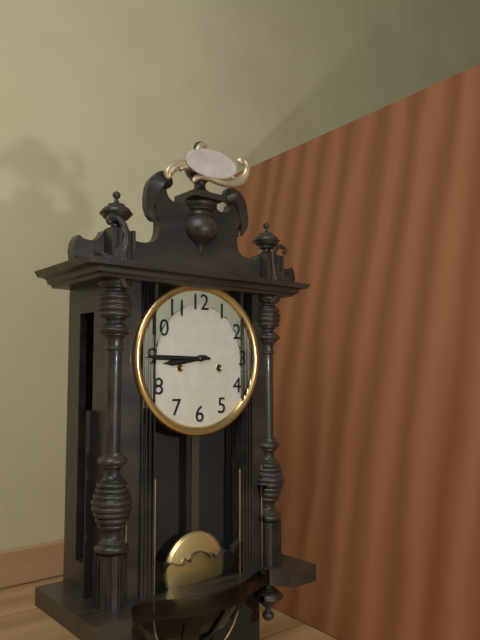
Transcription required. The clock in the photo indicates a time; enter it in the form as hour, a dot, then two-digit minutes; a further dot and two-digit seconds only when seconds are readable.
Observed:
8.45
